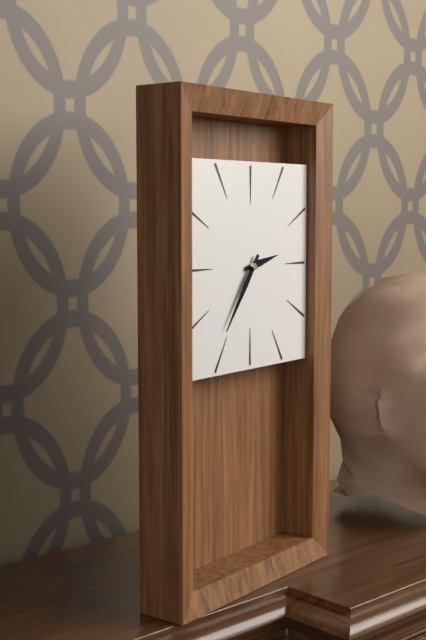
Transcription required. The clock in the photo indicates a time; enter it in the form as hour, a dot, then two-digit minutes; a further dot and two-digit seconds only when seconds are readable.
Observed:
2.36
